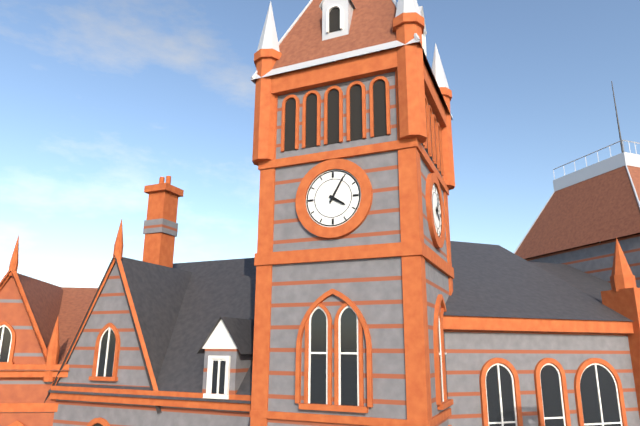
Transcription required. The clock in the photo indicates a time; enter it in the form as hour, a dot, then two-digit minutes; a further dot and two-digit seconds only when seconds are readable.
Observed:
4.05
